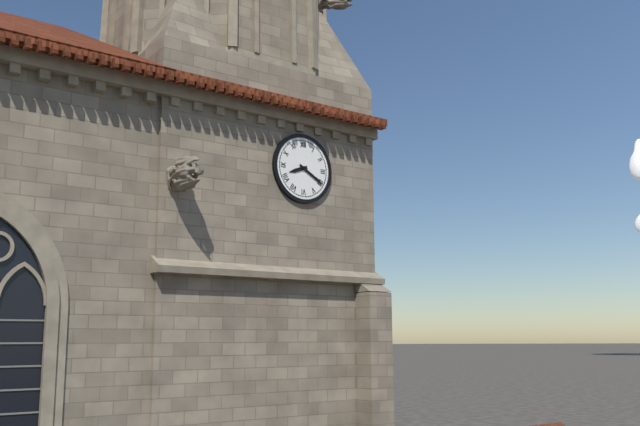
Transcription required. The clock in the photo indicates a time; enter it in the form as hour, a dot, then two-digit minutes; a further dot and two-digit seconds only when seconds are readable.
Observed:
8.20
